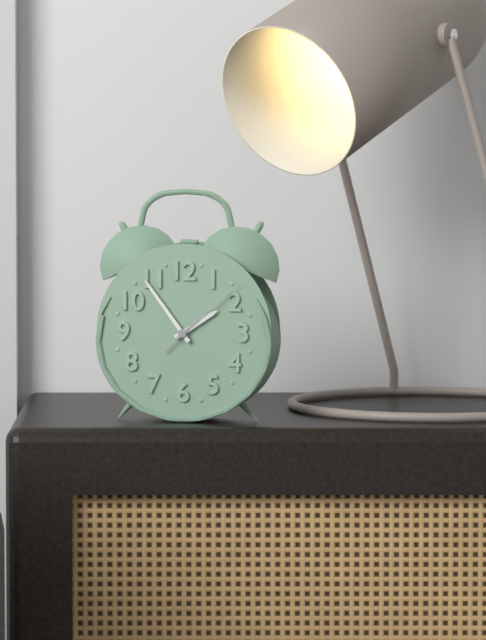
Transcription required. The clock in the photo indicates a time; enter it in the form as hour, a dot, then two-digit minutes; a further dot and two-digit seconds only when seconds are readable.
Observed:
1.54.08
